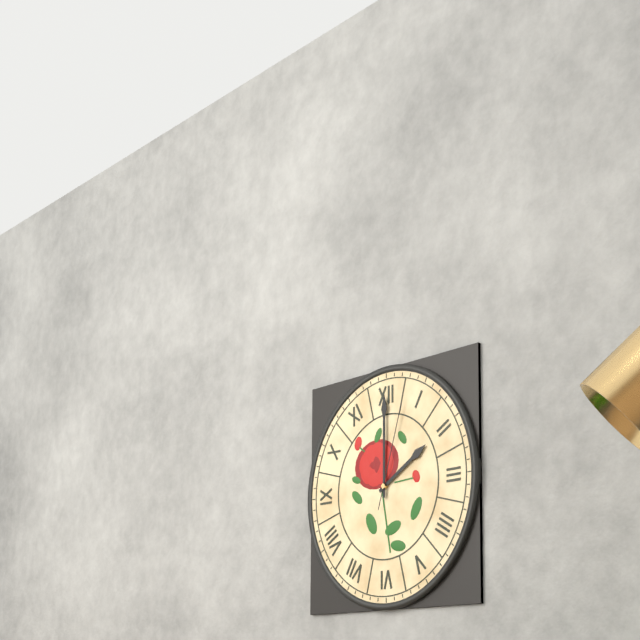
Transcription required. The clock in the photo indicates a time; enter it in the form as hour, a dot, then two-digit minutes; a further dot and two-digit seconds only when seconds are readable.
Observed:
2.00.03
